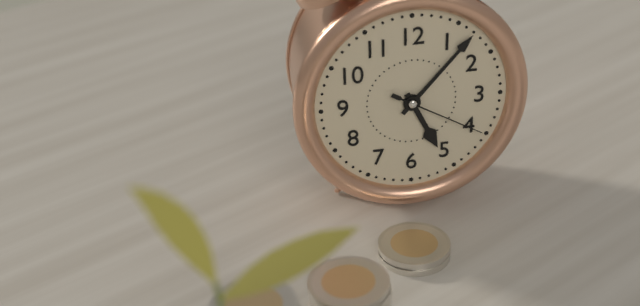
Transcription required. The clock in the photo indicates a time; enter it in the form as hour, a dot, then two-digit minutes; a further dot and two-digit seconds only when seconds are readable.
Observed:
5.07.20
